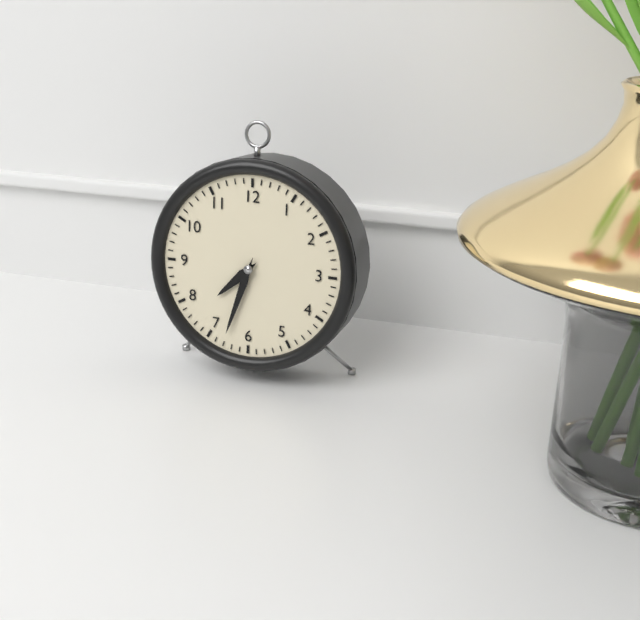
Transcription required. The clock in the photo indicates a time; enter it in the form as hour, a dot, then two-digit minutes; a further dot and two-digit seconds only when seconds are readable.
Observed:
7.33
